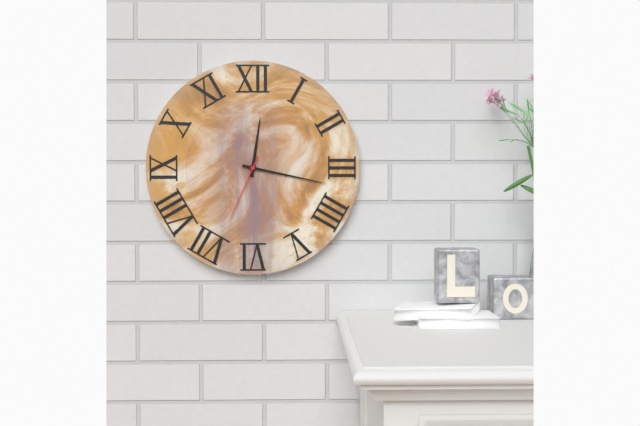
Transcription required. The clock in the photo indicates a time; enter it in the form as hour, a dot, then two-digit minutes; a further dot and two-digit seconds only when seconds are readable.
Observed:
12.17.34
